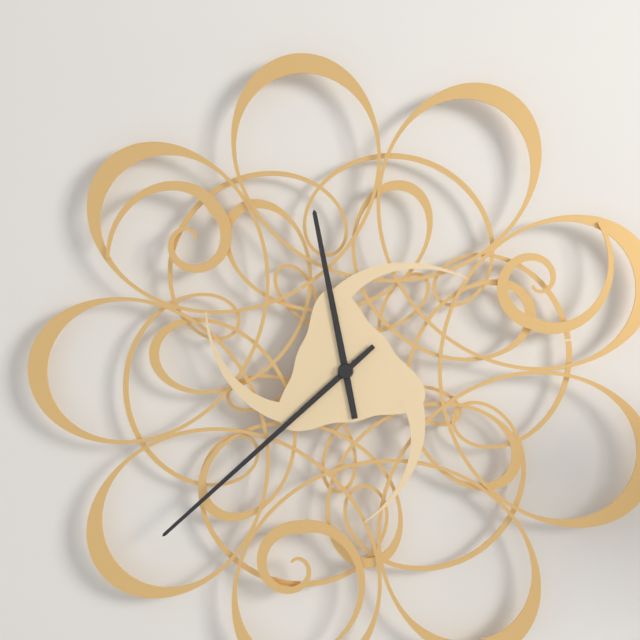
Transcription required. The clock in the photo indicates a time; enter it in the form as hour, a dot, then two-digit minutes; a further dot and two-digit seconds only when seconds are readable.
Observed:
11.38
